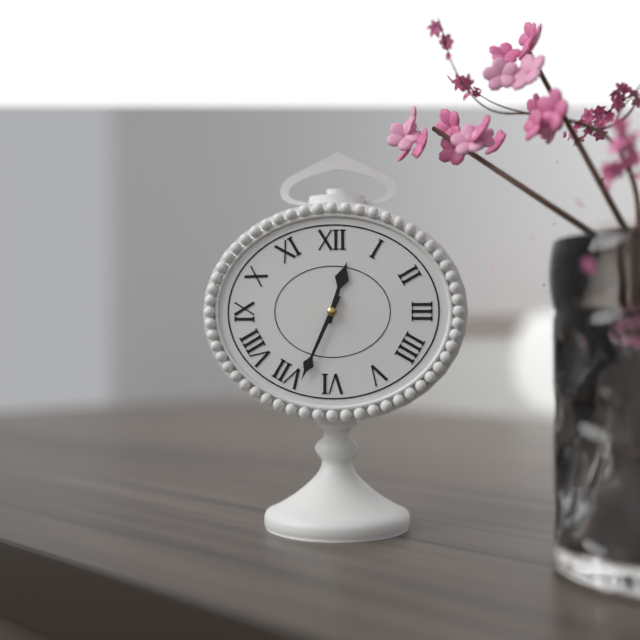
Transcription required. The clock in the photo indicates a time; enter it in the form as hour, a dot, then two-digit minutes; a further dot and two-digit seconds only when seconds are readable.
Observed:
12.34
